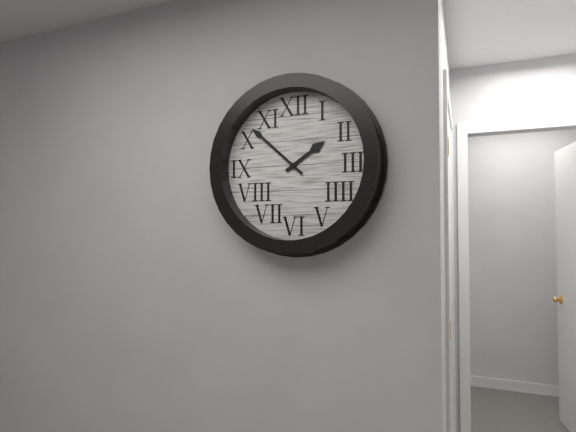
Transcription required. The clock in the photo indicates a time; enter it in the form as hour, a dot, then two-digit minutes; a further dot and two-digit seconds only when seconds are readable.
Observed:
1.52
